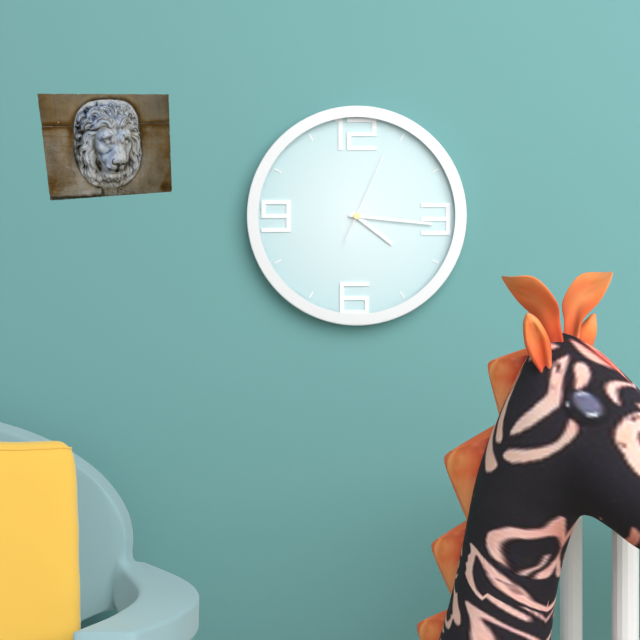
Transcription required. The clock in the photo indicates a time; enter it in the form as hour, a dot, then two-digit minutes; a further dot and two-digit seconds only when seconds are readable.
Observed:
4.16.04
